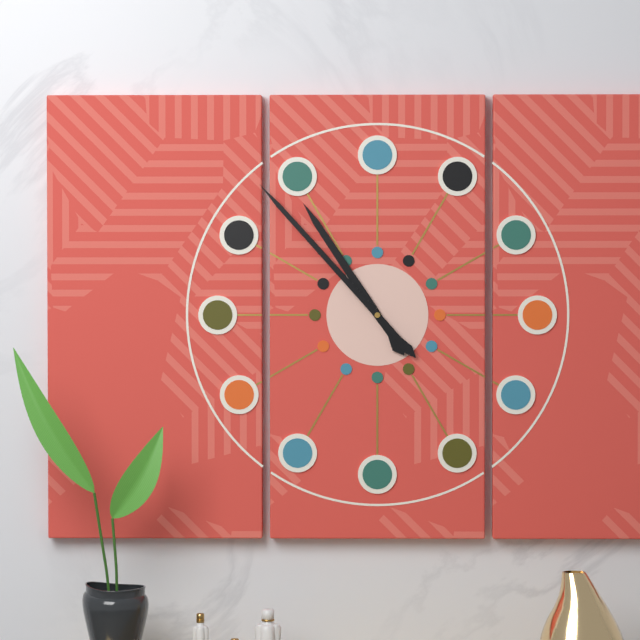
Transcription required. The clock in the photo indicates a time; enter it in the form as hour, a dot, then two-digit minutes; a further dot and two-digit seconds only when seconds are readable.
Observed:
10.53
